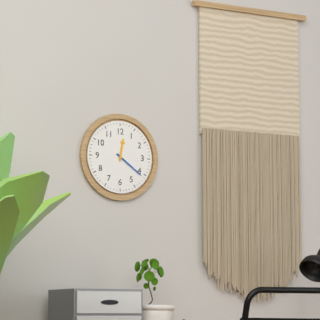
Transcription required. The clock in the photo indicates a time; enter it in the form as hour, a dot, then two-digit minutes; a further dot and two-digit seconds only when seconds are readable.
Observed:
12.21
